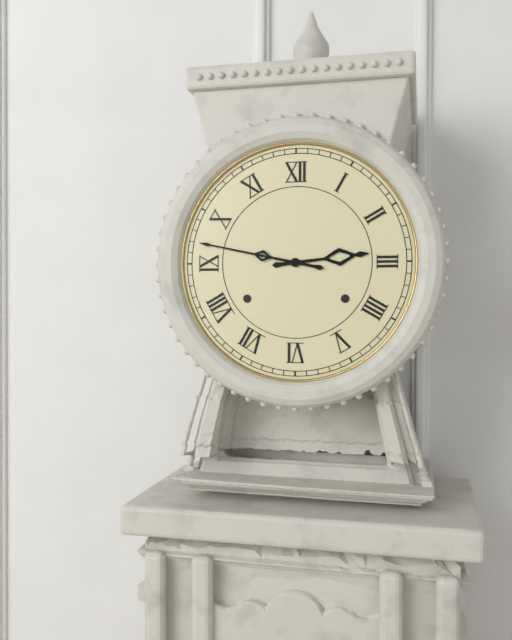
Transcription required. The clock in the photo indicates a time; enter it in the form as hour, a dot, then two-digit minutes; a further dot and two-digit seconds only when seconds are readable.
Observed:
2.47
